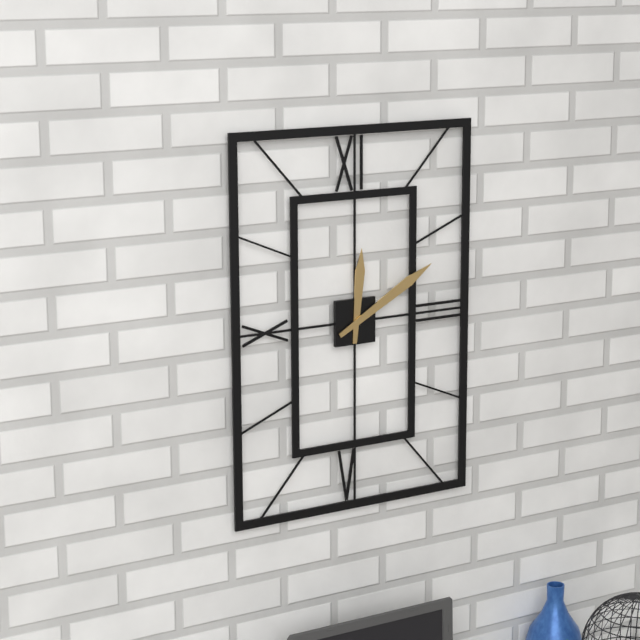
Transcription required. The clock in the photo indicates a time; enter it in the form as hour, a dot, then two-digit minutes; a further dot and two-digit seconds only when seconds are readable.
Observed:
12.10
